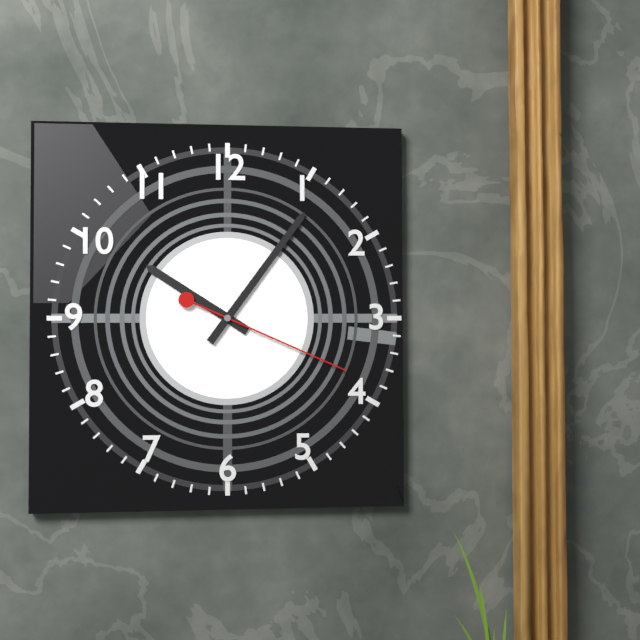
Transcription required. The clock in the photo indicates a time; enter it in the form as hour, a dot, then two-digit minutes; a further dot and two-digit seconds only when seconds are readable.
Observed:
10.06.19
